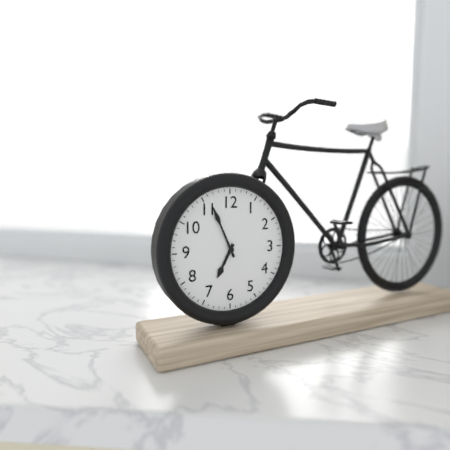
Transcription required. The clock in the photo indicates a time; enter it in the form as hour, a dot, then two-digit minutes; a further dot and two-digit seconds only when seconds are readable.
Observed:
6.56
